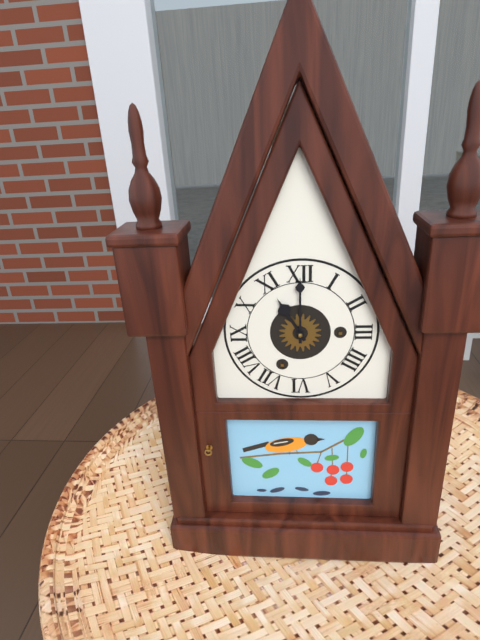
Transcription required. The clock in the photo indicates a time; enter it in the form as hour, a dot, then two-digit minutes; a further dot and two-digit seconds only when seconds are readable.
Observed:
11.00
